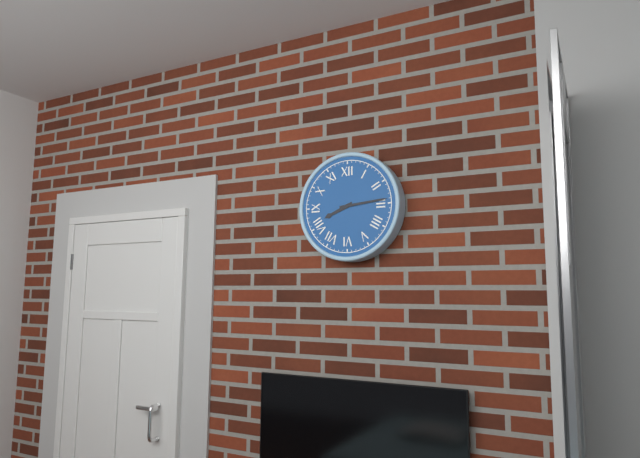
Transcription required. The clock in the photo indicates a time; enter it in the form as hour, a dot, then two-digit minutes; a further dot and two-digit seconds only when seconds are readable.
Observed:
8.14
